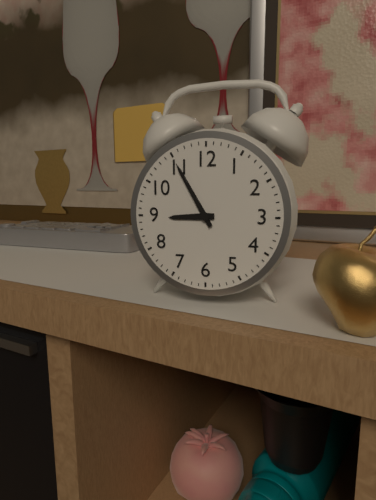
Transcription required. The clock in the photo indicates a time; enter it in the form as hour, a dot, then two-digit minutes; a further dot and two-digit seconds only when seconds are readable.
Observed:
8.55
